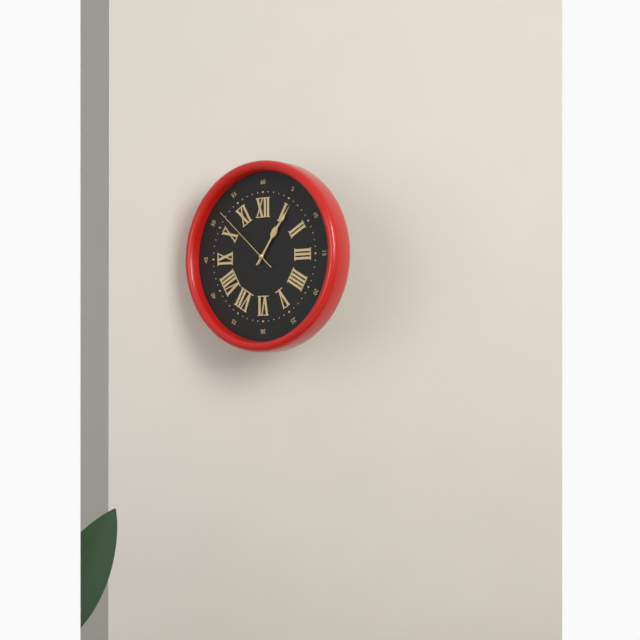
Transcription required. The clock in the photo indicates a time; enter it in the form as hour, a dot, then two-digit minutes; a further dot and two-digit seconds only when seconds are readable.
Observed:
1.06.52
